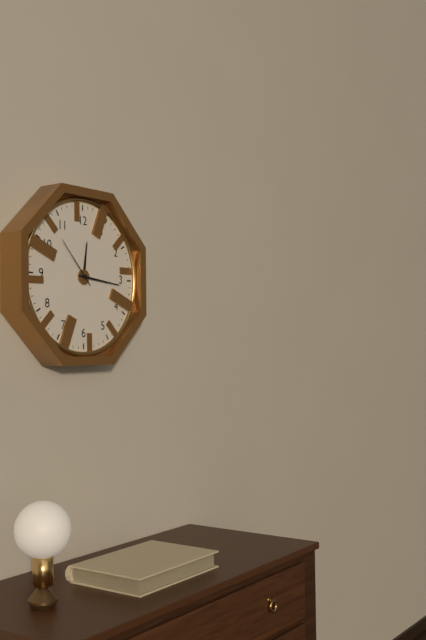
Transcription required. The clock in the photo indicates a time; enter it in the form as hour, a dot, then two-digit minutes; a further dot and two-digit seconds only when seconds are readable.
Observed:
12.16.53
